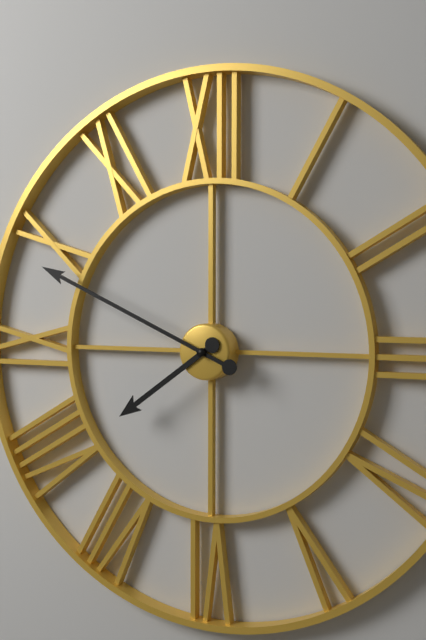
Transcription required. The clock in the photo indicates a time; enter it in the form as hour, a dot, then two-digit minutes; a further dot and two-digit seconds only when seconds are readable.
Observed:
7.49
